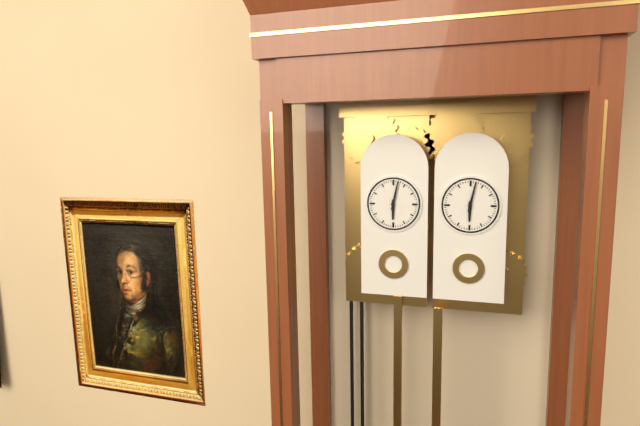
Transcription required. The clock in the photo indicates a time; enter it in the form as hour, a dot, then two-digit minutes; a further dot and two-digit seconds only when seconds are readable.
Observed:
6.02
